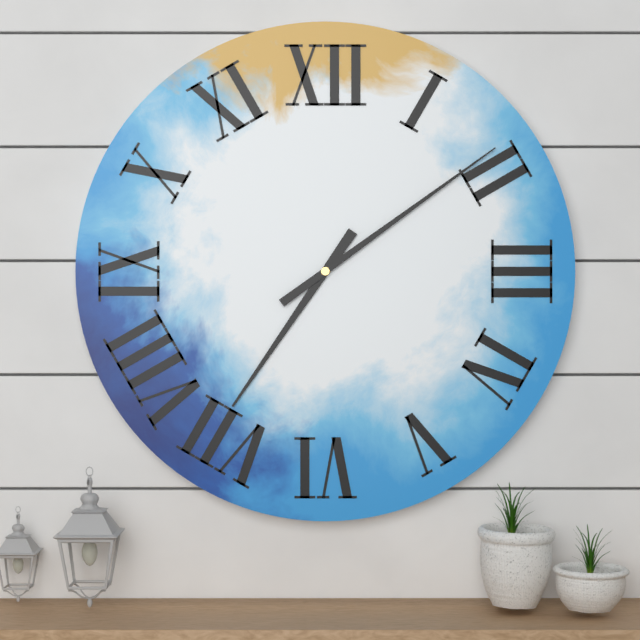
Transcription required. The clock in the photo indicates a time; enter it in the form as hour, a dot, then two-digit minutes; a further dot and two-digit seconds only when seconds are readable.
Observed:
7.09
